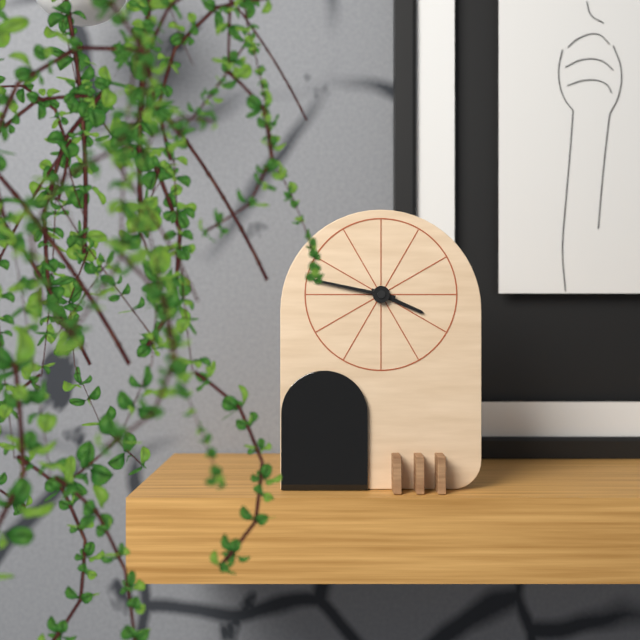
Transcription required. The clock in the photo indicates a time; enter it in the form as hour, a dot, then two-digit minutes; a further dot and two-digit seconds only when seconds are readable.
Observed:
3.47
